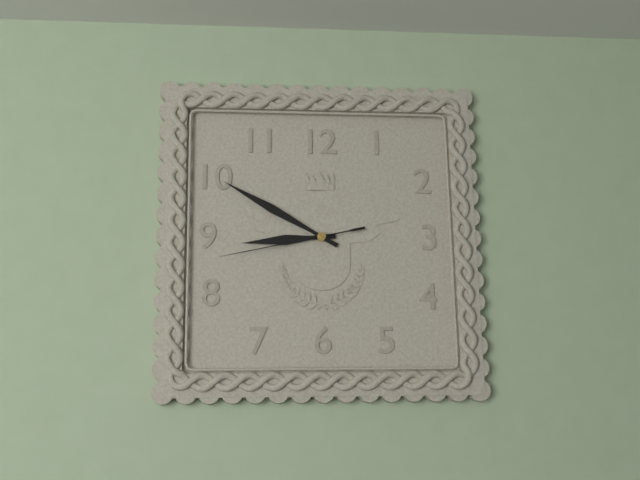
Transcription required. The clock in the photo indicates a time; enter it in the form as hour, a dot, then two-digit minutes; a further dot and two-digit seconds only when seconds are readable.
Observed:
8.50.43
